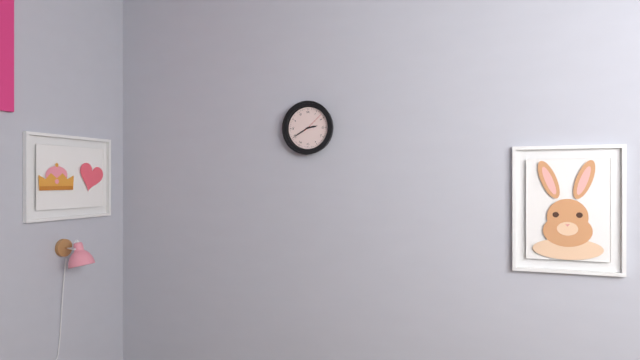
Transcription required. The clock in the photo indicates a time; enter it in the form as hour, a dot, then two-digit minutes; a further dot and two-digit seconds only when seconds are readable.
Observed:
2.40
